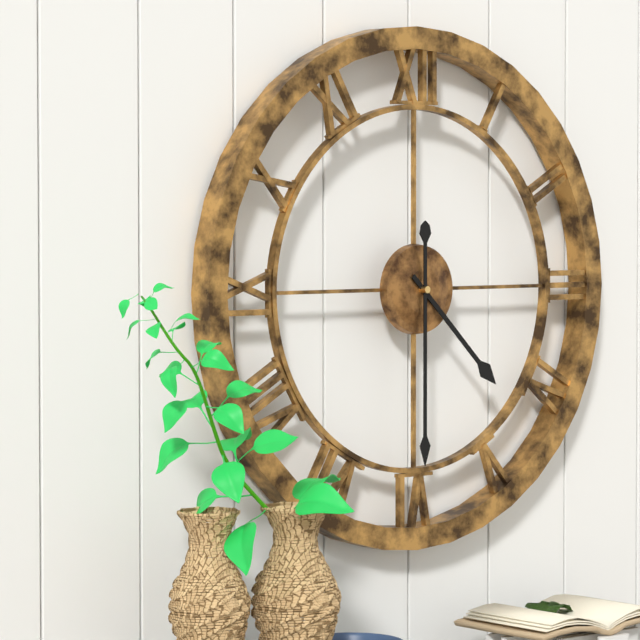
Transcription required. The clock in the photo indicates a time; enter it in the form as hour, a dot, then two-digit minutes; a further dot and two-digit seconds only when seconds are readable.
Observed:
4.30
